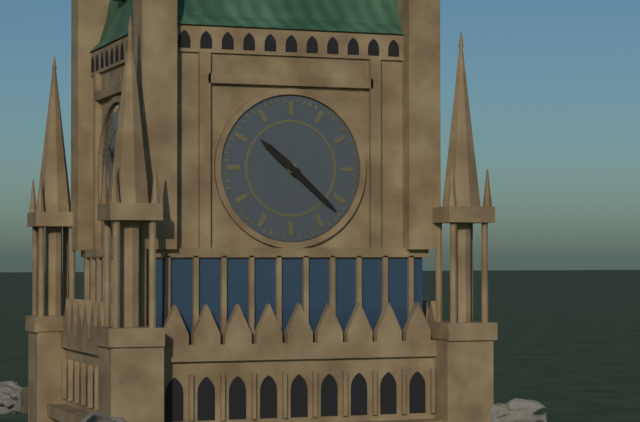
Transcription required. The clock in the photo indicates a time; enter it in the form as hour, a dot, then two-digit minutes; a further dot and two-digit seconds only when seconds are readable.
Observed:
10.22
